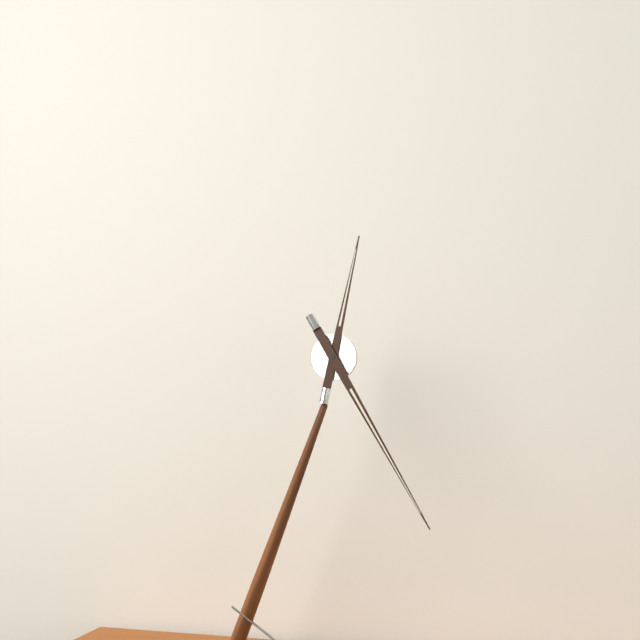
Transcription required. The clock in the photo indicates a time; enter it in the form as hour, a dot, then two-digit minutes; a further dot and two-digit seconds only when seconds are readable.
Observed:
12.25
